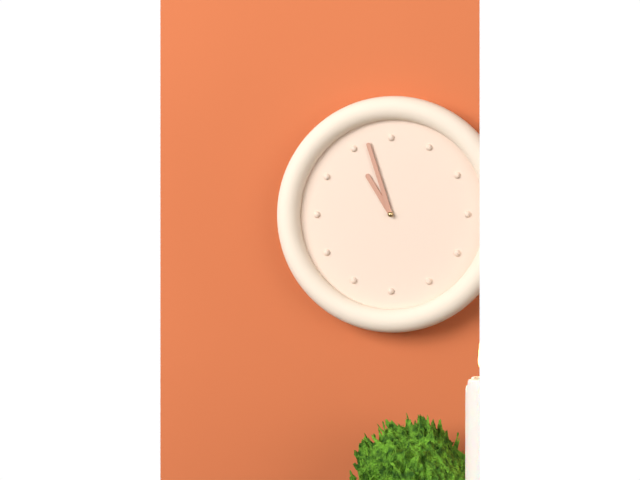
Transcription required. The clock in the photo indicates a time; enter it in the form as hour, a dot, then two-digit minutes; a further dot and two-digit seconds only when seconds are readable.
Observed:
10.57
